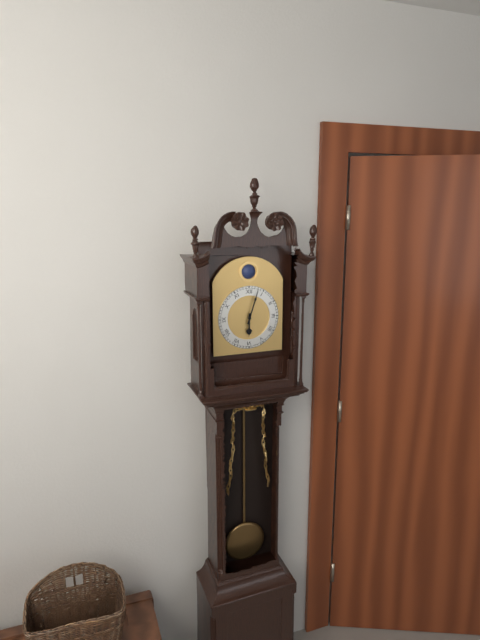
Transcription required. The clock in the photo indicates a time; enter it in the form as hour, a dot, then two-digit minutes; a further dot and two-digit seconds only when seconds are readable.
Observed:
6.03
